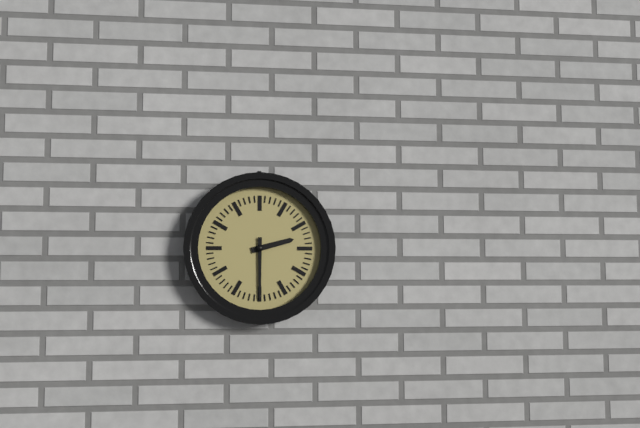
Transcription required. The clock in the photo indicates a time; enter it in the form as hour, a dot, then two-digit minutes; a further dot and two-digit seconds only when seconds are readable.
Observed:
2.30
